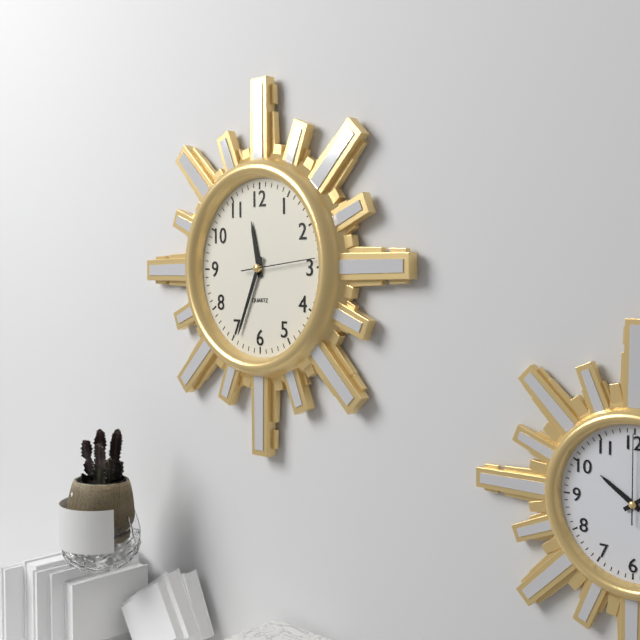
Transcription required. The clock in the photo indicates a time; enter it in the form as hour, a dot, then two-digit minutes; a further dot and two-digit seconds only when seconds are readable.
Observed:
11.34.14
